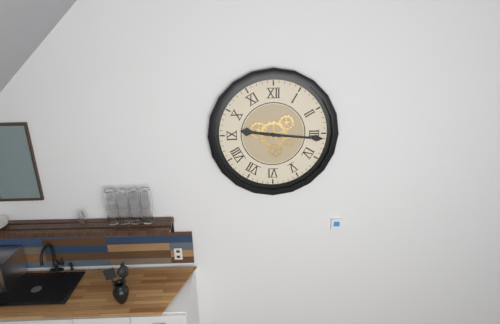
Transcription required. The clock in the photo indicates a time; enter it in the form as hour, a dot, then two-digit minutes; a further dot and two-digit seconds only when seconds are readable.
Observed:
9.16
